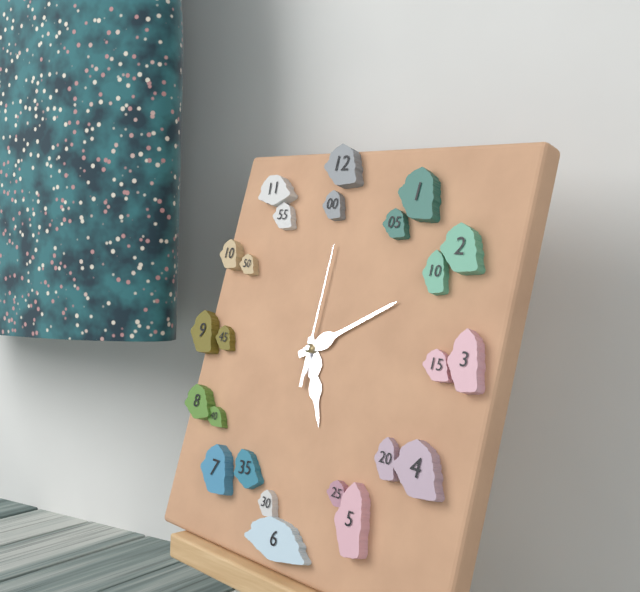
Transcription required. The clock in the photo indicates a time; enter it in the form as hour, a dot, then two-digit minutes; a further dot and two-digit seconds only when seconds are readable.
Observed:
5.10.00
